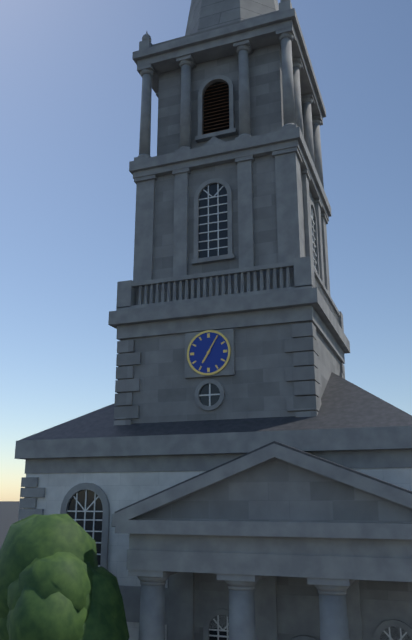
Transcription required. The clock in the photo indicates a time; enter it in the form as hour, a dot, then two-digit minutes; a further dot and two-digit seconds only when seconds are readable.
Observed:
7.05
